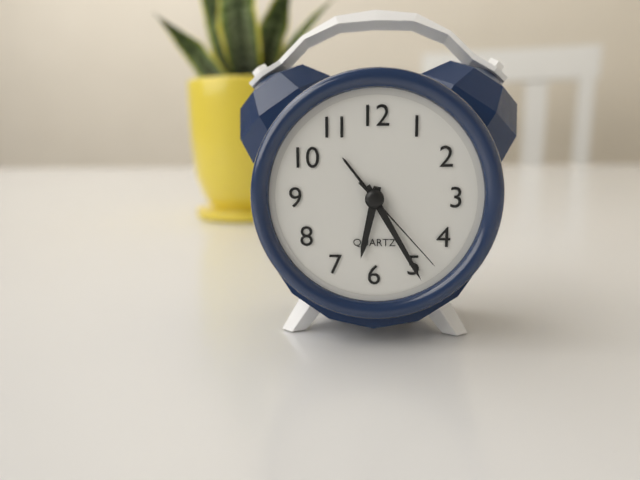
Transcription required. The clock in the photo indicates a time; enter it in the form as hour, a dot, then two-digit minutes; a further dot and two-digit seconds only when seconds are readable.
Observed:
6.25.23
